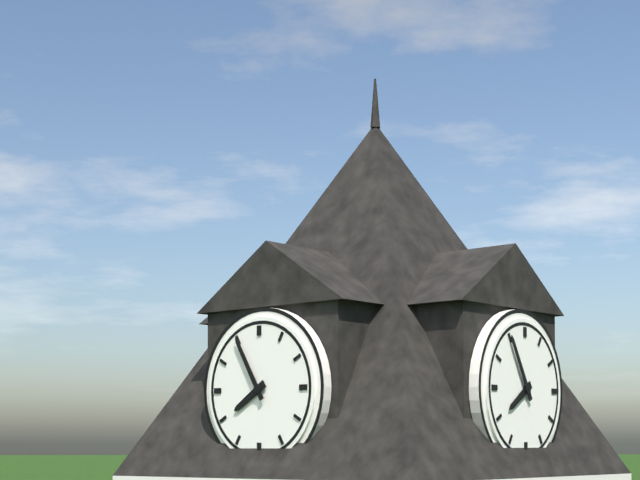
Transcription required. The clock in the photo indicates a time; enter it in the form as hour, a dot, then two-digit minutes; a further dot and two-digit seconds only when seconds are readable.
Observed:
7.55
